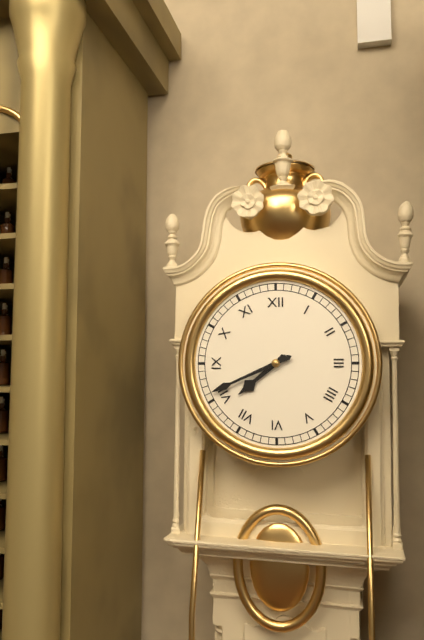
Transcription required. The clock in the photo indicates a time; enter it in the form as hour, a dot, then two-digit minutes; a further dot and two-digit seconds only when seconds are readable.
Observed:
7.41
